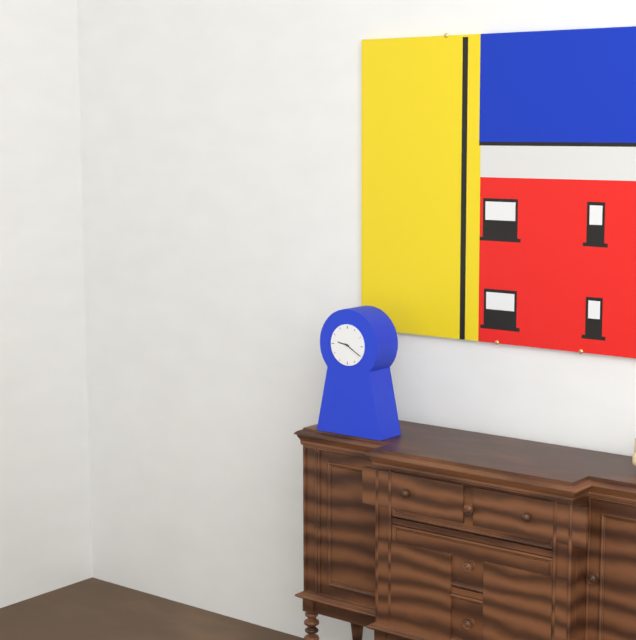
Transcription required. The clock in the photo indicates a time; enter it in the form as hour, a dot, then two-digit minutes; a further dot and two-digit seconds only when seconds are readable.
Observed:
9.20
